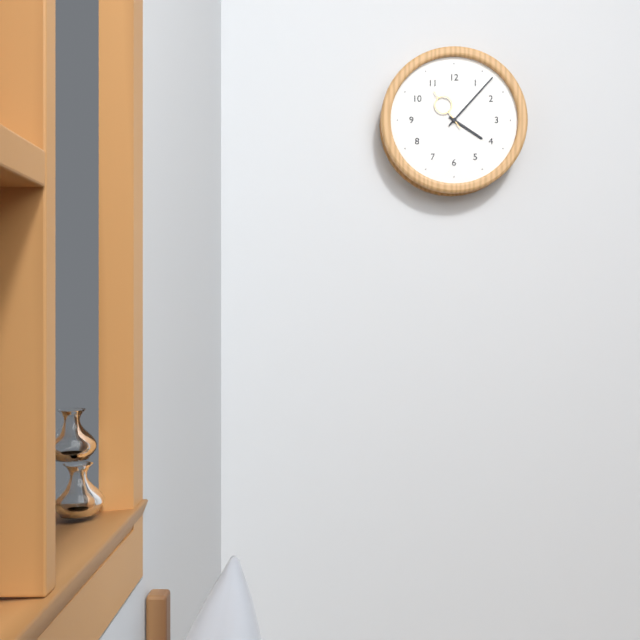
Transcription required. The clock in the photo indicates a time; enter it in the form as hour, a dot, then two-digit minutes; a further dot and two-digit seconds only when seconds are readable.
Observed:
4.07
